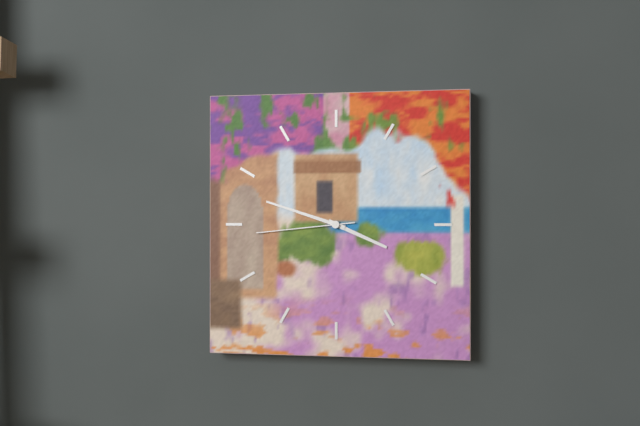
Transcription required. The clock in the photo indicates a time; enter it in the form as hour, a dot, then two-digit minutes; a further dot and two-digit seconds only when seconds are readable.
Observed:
3.48.44
